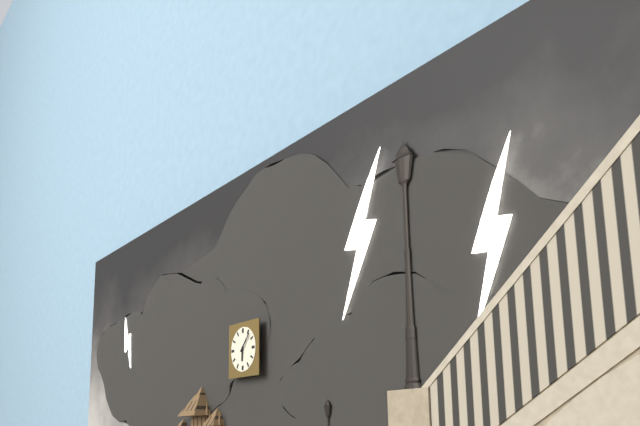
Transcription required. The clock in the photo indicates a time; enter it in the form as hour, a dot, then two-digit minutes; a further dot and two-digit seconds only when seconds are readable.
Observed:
6.07
